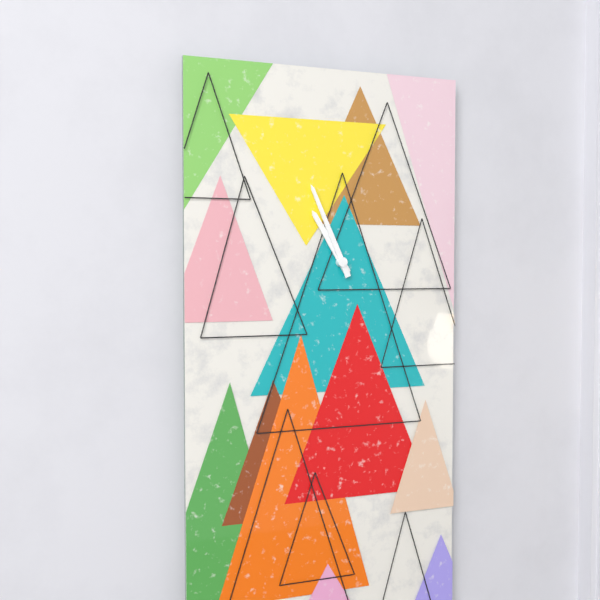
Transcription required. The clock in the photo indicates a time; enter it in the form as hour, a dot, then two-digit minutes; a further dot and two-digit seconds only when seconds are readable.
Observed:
10.56
